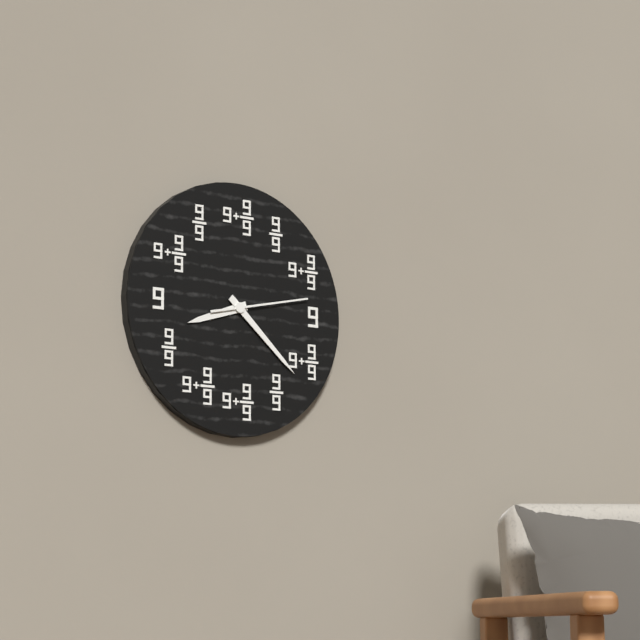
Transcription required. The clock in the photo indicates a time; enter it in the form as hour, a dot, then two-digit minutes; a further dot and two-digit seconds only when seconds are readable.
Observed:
8.22.13
